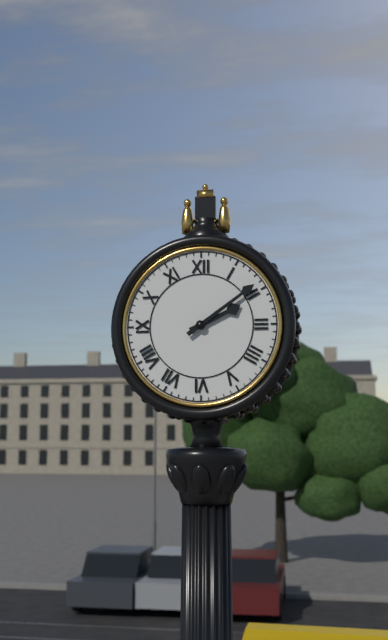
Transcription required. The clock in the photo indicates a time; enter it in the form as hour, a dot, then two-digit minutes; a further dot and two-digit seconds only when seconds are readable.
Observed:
2.09
